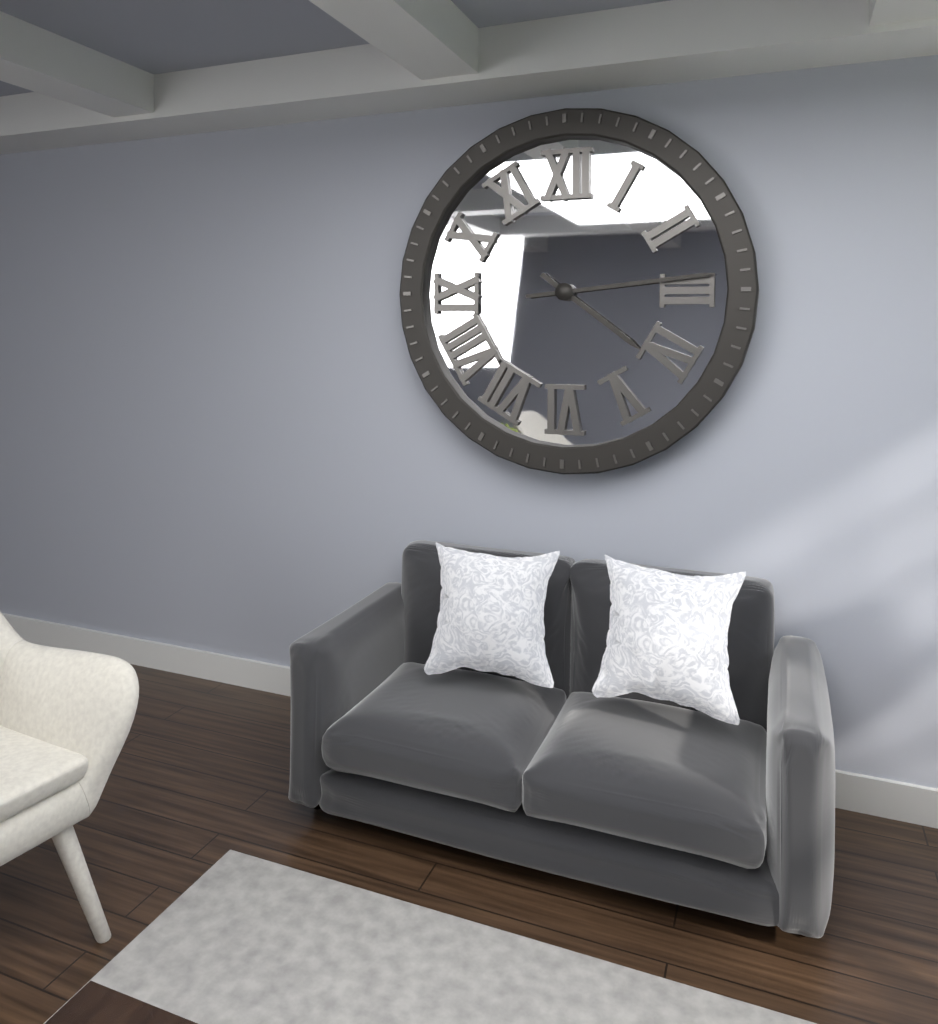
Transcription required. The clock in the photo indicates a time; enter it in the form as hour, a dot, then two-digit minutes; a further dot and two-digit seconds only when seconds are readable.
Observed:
4.14
